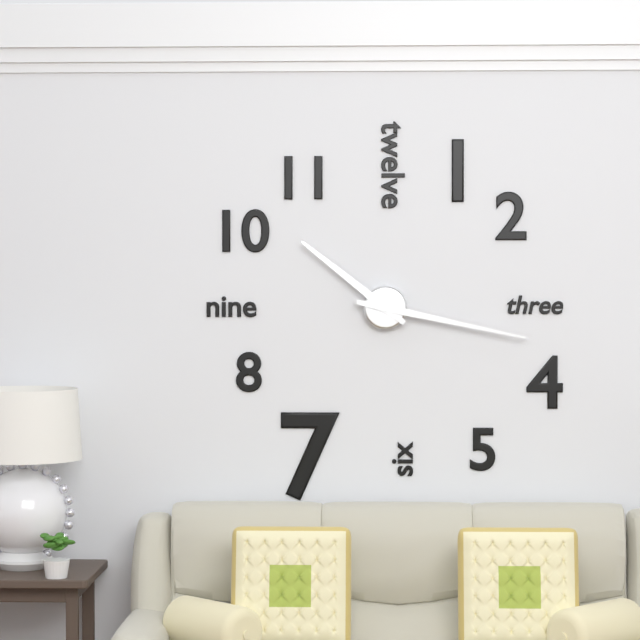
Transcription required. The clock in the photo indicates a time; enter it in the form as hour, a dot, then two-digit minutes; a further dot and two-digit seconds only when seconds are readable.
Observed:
10.17
